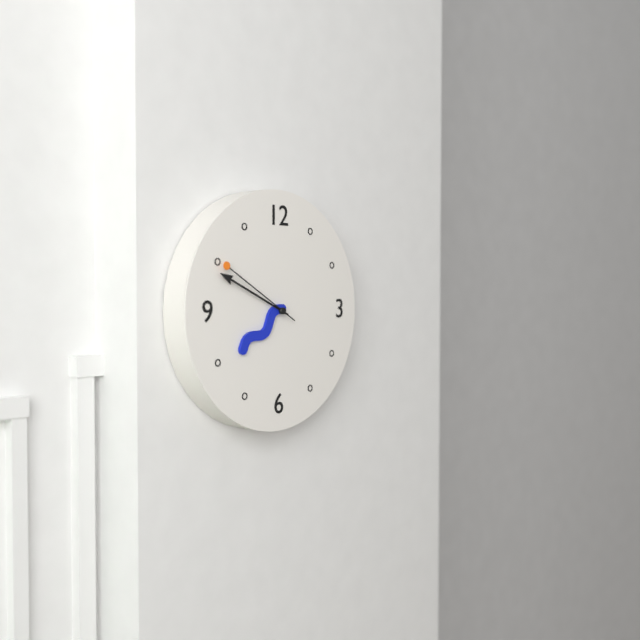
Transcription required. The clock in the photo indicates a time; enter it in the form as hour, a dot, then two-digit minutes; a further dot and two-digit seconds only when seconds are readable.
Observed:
7.49.50
